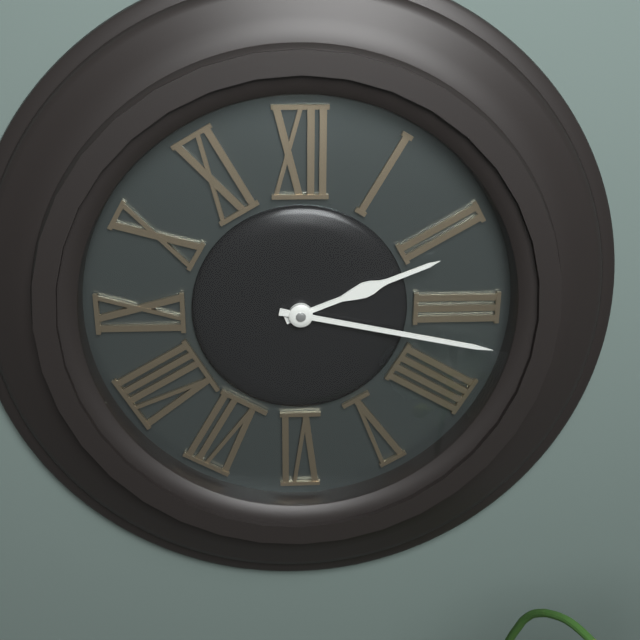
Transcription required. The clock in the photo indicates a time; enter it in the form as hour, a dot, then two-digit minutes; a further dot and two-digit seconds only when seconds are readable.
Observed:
2.17
